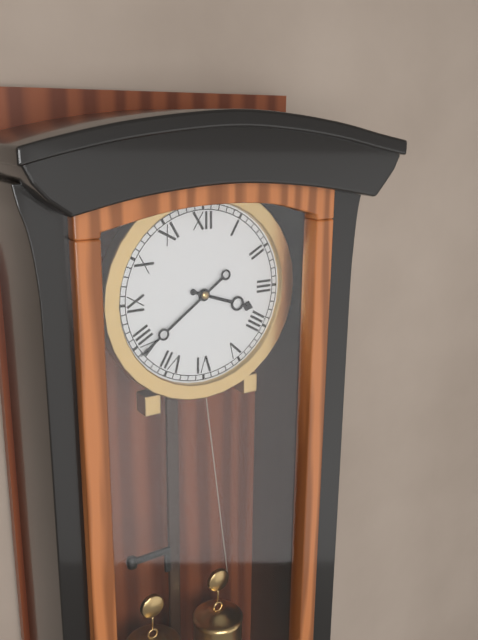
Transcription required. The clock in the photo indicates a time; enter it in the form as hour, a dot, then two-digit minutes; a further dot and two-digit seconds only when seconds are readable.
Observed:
3.39
